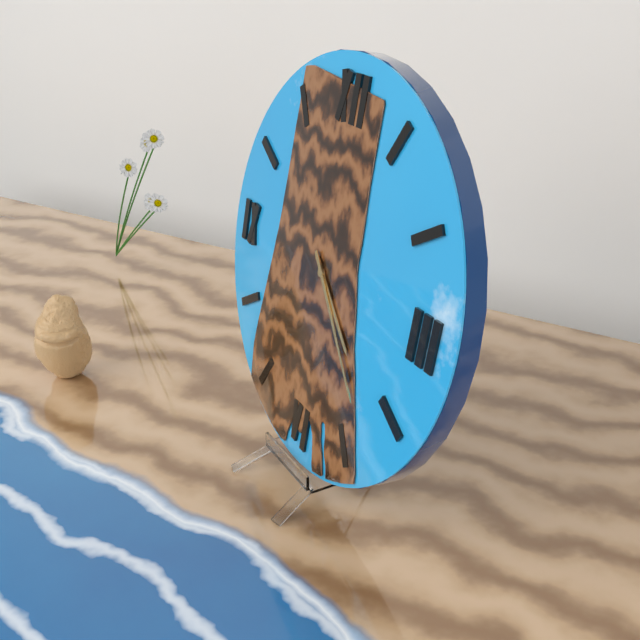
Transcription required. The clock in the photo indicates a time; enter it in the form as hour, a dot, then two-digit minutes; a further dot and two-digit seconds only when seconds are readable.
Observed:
4.23
